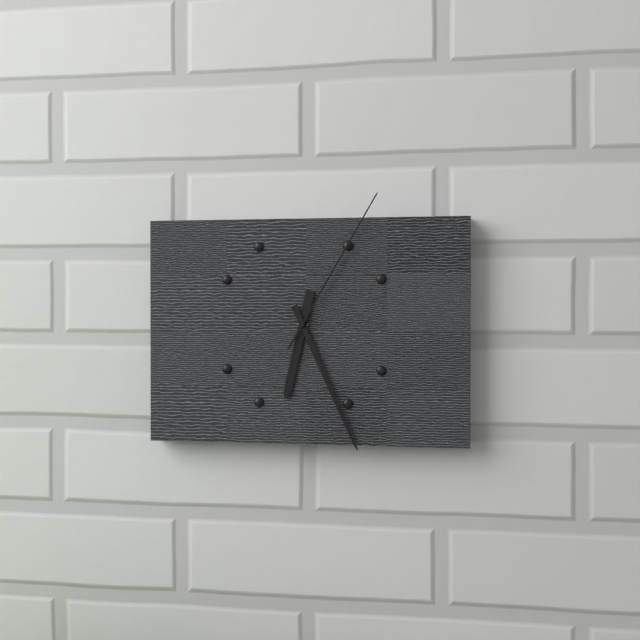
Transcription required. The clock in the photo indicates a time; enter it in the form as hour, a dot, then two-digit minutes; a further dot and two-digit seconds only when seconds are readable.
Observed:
6.26.05
